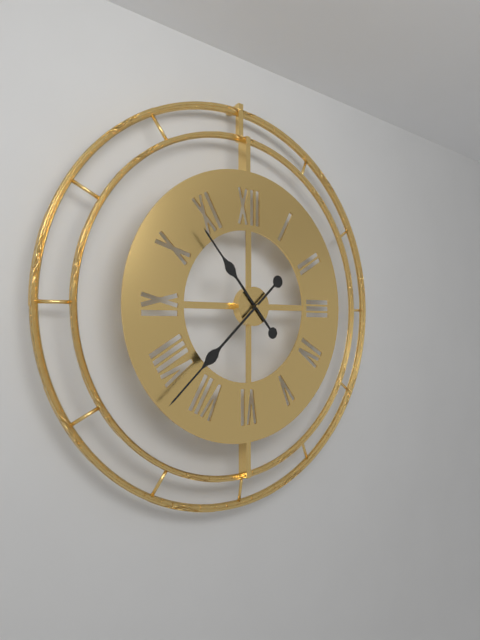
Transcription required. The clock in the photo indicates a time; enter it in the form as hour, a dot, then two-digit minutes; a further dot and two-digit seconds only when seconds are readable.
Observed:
10.38
